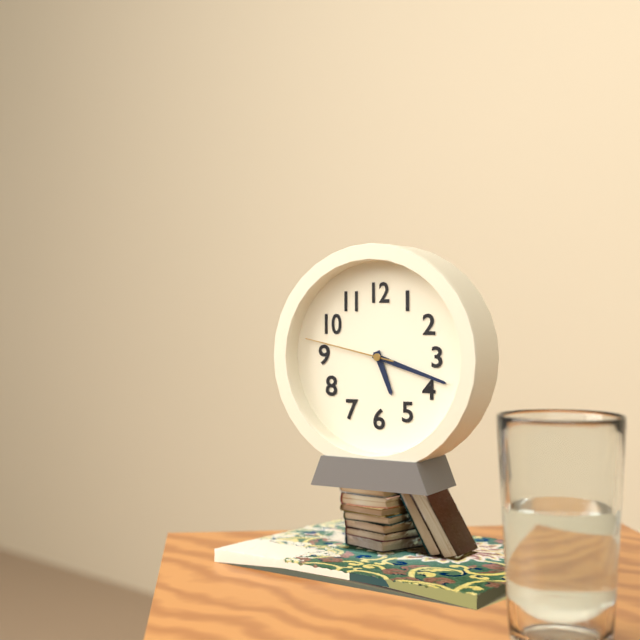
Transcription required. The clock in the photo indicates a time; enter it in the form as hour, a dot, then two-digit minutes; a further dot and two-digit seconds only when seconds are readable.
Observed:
5.18.47
